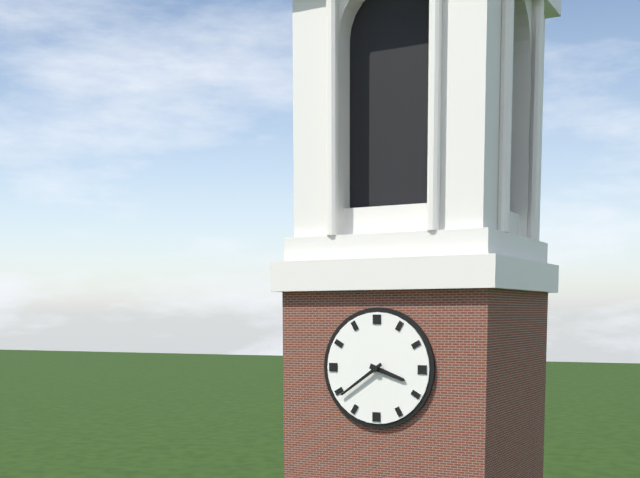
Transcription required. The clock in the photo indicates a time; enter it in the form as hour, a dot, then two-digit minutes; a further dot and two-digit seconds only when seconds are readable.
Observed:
3.39
